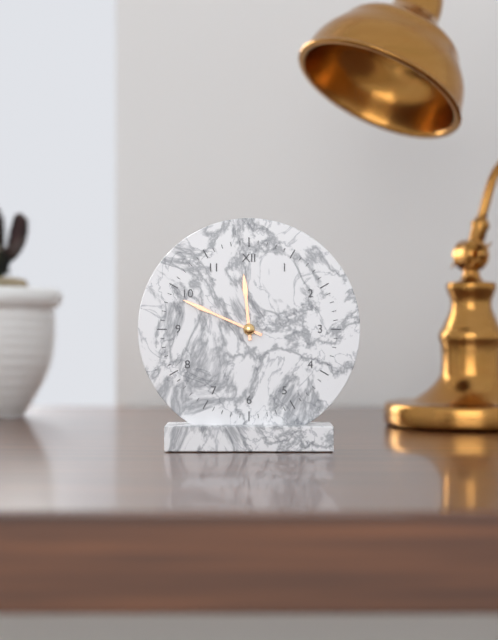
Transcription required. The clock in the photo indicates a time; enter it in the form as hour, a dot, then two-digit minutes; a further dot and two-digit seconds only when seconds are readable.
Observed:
11.49
